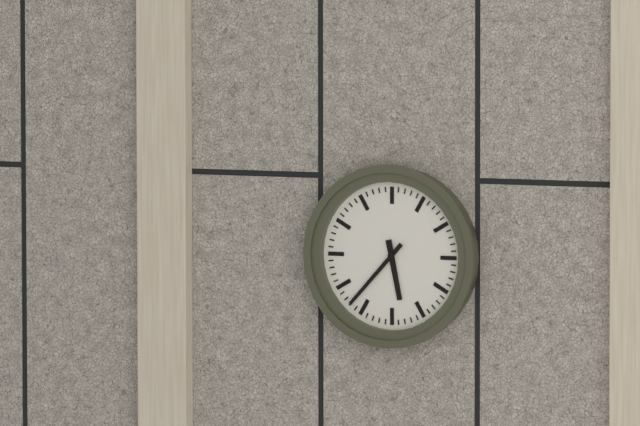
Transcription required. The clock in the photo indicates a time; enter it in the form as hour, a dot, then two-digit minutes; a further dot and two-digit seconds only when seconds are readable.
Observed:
5.37
